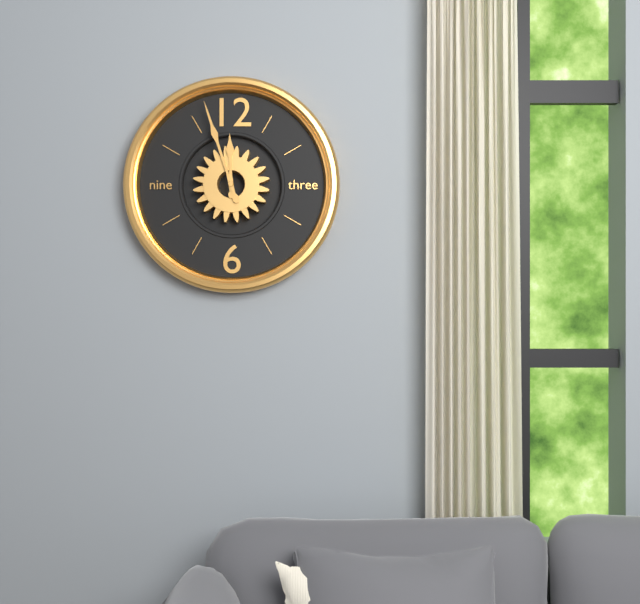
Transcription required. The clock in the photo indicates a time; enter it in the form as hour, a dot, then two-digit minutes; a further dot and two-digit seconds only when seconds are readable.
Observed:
11.57
